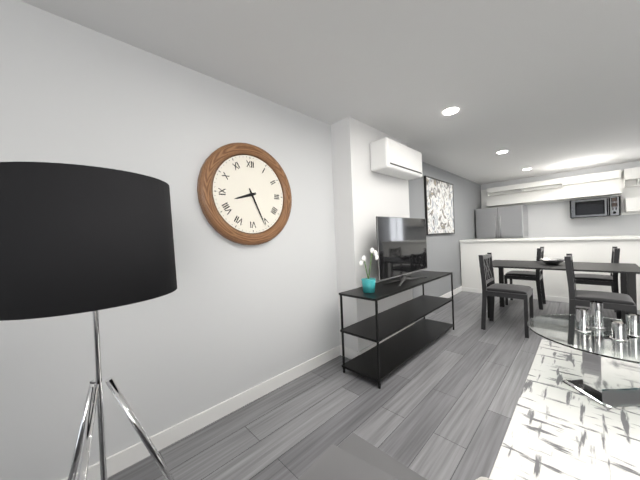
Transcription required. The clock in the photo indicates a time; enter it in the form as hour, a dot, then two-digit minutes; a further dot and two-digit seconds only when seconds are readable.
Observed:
8.26
